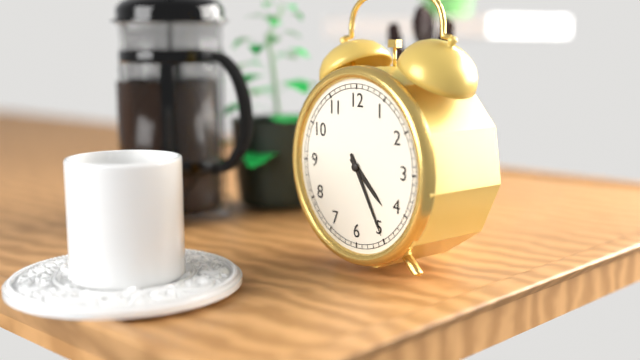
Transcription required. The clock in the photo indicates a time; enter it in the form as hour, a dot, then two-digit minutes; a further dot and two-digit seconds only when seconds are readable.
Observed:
4.25
